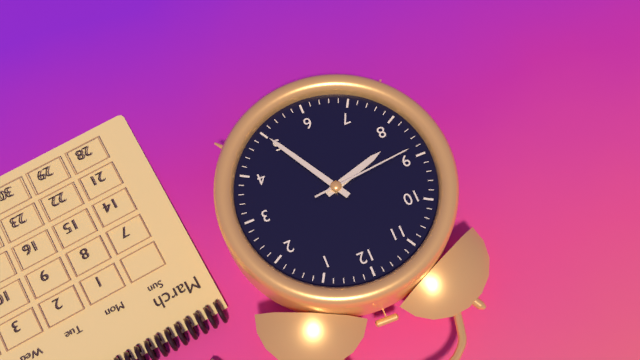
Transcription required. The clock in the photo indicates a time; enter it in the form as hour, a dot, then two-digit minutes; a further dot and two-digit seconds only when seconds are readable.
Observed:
8.25.44
